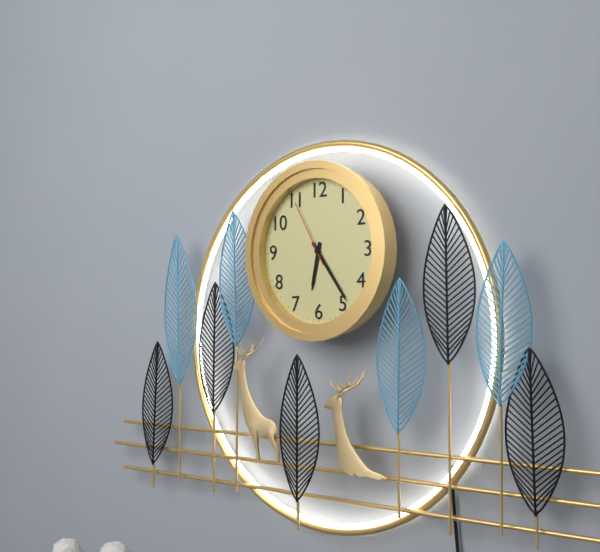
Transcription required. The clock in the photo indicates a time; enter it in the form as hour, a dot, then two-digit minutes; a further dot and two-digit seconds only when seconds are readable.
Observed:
6.24.55
